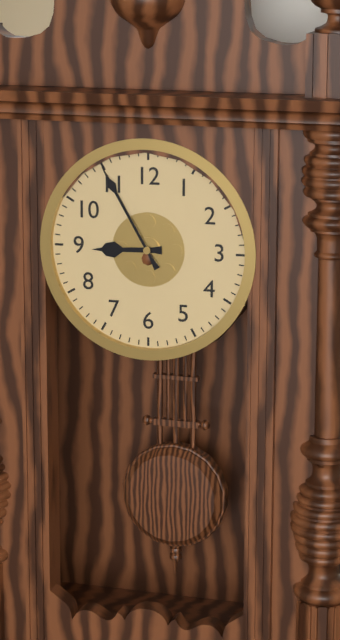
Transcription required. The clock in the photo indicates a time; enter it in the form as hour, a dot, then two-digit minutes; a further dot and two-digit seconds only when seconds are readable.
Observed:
8.55
